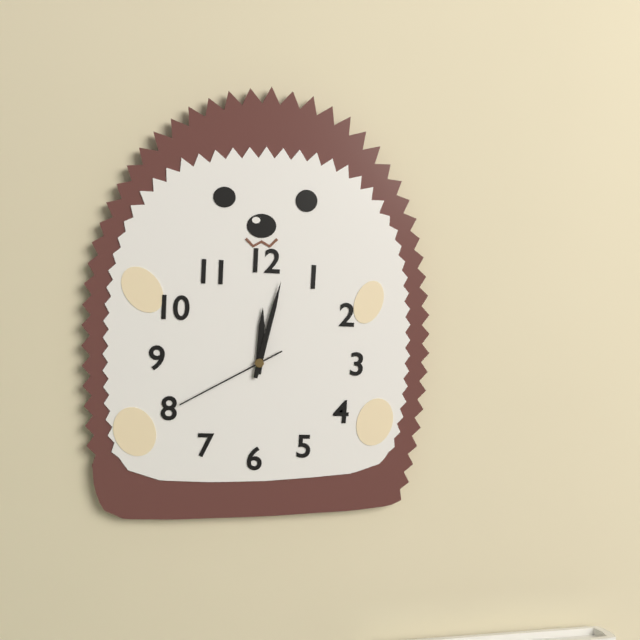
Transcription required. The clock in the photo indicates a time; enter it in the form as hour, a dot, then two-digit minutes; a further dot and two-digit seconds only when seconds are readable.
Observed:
12.02.40
